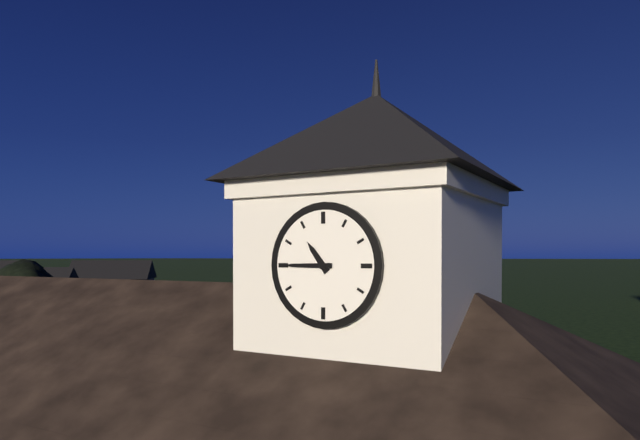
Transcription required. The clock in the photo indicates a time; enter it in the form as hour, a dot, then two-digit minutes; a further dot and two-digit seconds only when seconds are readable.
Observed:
10.45
